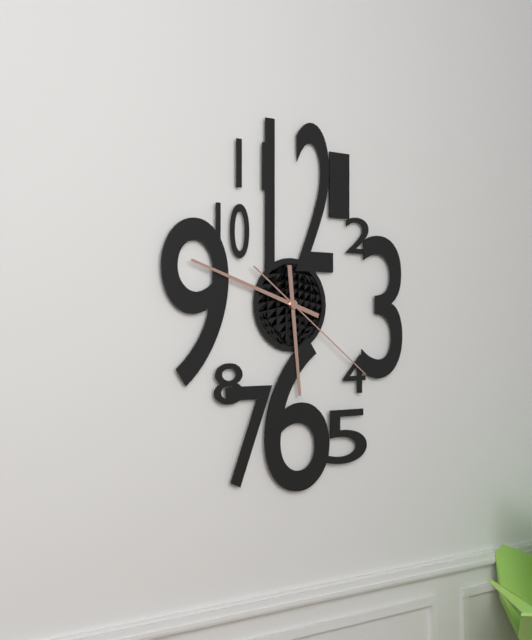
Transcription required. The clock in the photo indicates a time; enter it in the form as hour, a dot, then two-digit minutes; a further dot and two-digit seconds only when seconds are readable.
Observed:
5.48.21
